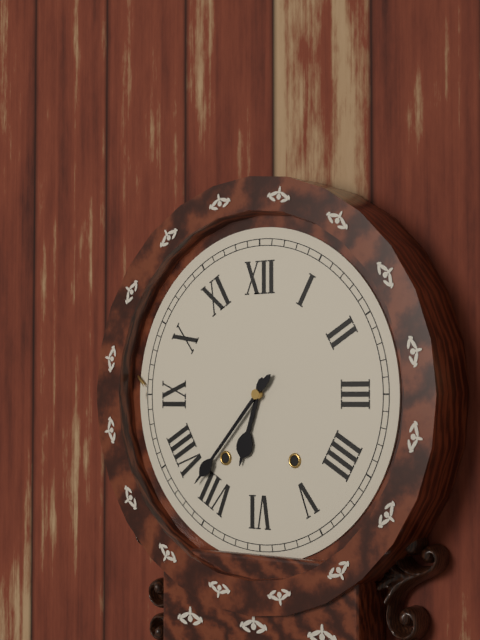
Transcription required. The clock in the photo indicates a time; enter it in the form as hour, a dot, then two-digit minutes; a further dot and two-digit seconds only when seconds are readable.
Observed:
6.37
